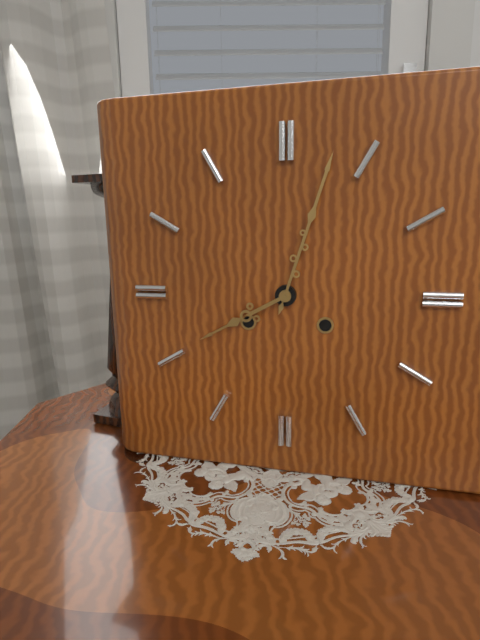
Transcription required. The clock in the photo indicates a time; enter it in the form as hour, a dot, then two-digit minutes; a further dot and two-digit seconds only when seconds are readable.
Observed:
8.03
